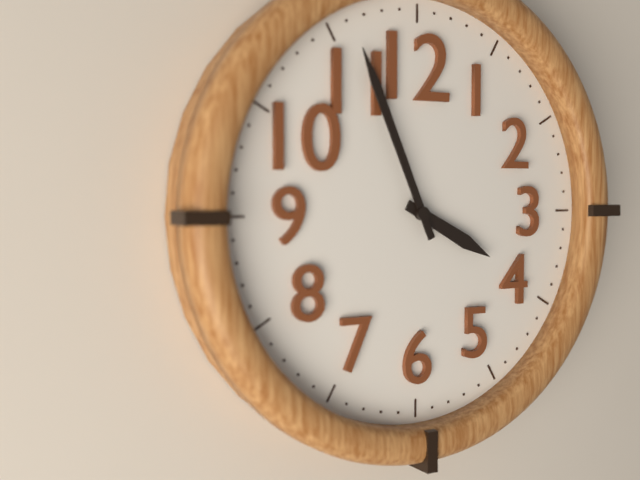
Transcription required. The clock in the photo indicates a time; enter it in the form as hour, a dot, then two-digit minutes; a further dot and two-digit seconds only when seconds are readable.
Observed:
3.56
